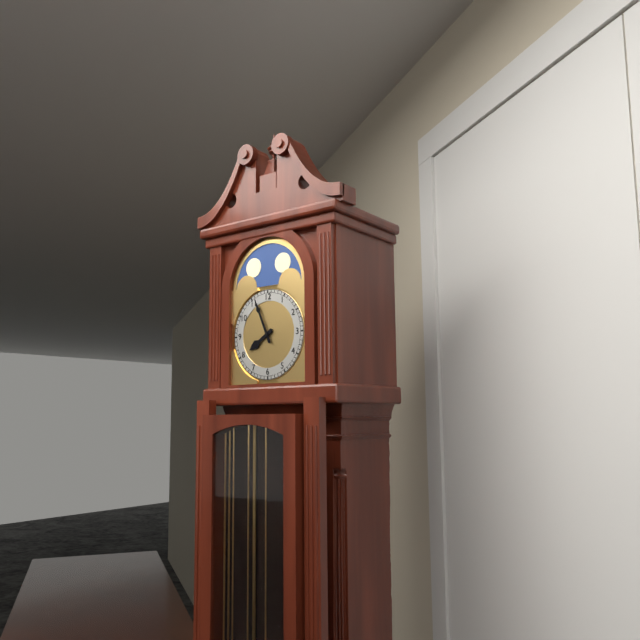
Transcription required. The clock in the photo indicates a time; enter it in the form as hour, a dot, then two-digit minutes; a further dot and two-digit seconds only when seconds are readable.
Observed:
7.56
